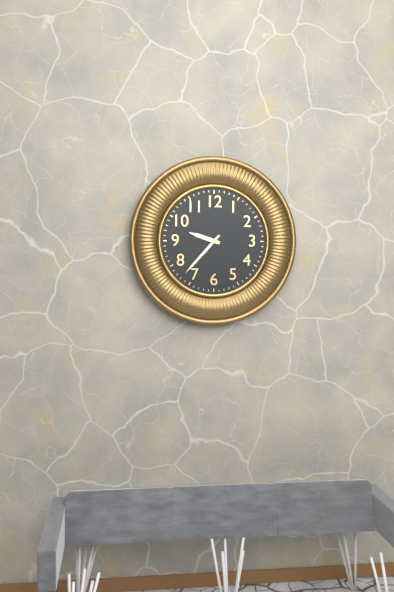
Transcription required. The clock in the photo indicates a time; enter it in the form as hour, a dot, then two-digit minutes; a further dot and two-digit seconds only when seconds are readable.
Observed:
9.37
